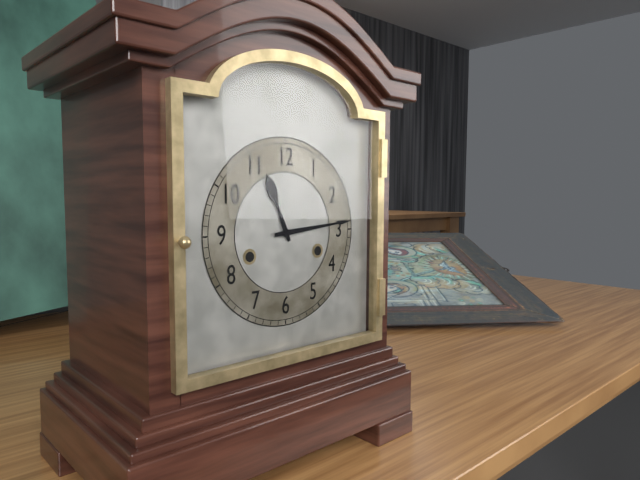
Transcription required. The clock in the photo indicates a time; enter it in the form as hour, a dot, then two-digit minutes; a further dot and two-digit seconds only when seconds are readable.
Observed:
11.14
